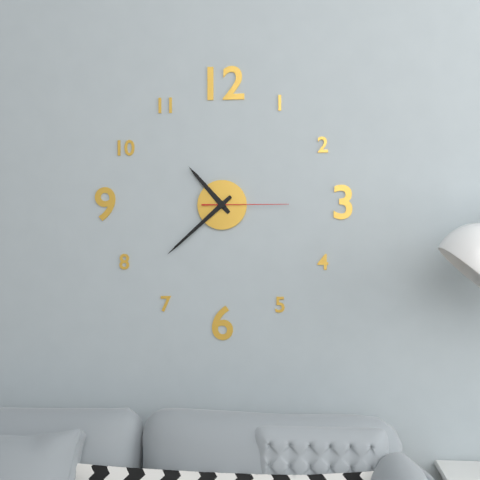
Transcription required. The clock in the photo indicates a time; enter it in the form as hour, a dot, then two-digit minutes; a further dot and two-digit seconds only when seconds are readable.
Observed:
10.38.15
